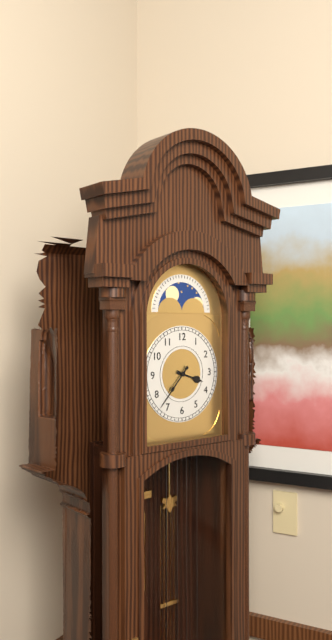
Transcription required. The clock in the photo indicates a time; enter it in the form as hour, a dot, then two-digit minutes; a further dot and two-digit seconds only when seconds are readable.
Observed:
3.37
